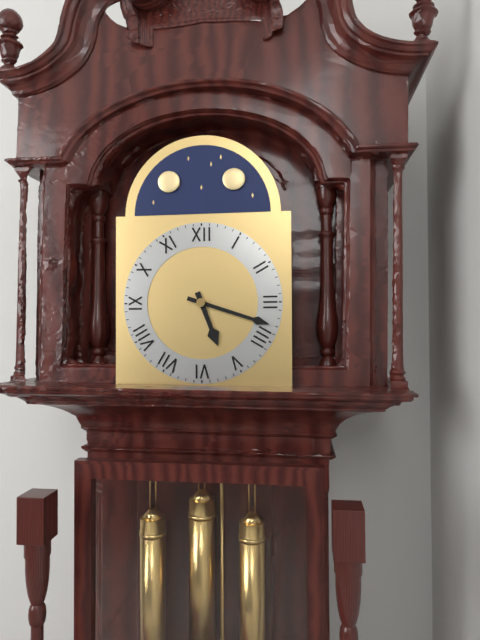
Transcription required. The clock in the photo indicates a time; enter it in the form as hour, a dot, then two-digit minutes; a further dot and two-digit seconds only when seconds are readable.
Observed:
5.18
